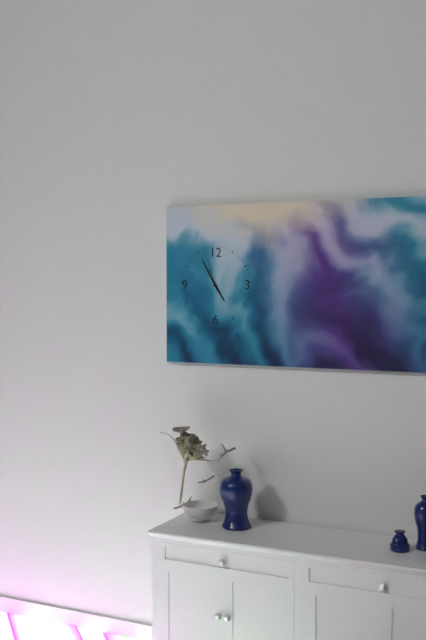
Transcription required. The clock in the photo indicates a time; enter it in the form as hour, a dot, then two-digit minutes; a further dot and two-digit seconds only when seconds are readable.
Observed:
4.55
